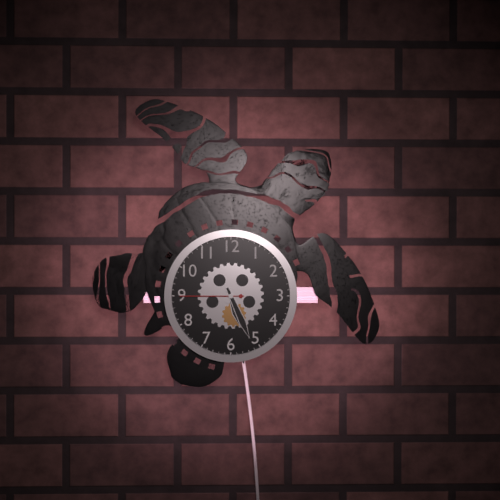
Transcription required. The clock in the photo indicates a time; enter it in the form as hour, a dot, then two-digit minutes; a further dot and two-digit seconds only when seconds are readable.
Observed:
5.26.45
